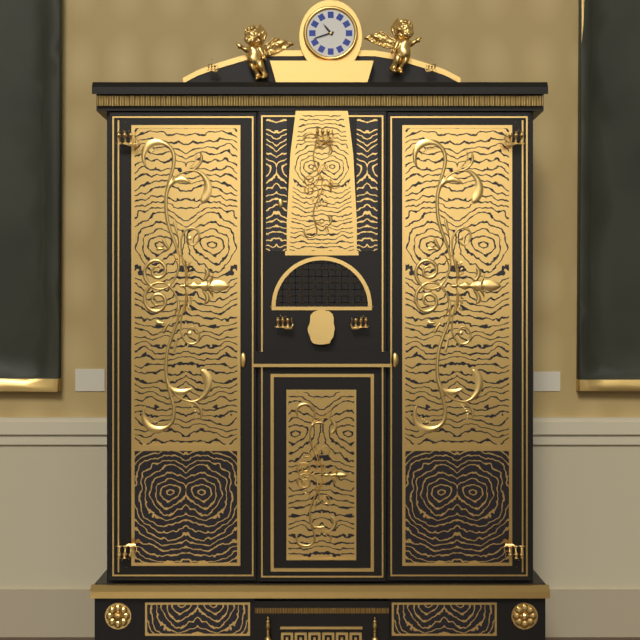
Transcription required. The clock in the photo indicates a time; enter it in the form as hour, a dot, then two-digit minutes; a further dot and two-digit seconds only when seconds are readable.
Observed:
10.42
